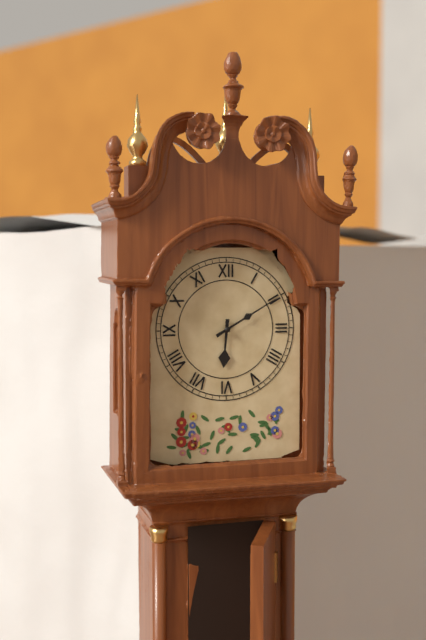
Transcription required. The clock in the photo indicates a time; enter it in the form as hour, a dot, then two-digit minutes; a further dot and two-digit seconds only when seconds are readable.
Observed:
6.10
